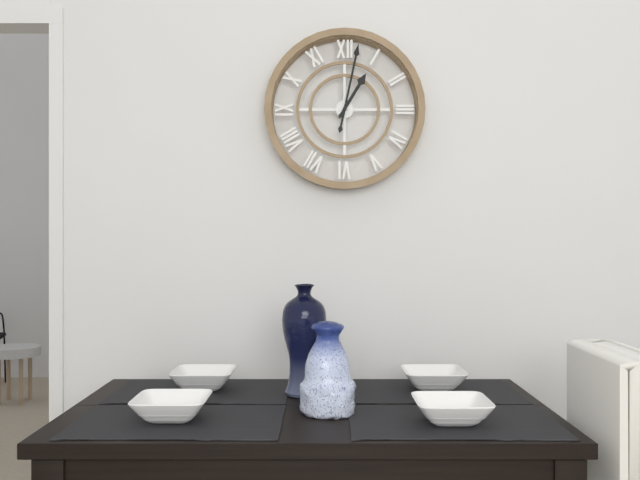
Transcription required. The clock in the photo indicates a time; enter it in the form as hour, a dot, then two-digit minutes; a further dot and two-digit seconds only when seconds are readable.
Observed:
1.02
